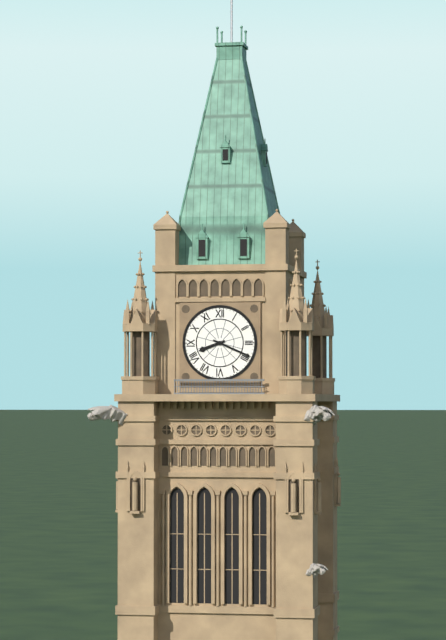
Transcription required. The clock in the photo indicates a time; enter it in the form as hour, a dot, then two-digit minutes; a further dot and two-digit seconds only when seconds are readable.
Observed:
8.19
